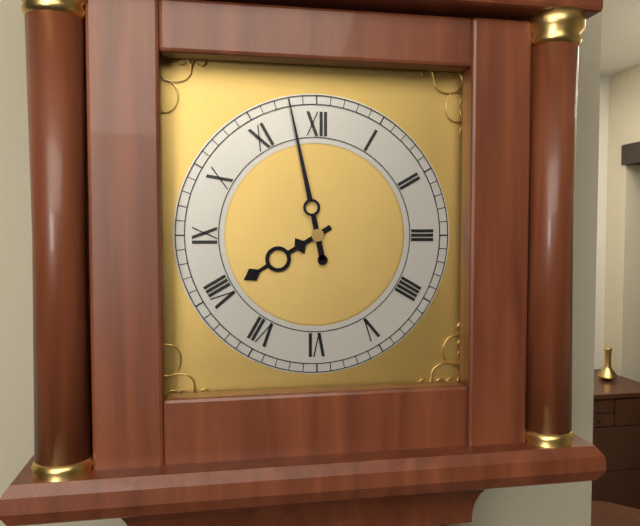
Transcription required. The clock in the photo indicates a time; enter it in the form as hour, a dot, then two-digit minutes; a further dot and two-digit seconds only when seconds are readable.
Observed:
7.58
